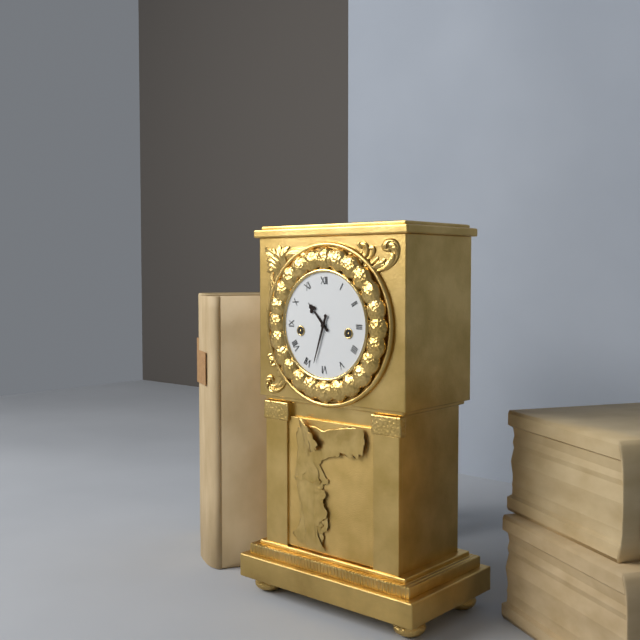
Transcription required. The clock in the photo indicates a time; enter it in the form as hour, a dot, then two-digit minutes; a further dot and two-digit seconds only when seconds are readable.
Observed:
10.33
